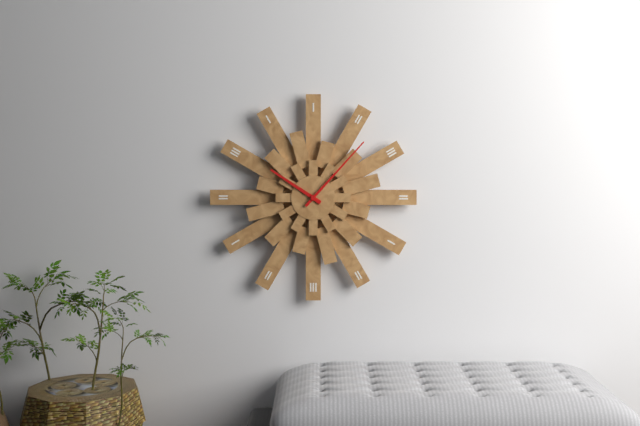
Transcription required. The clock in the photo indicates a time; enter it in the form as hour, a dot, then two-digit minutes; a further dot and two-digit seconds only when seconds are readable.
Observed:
10.07
